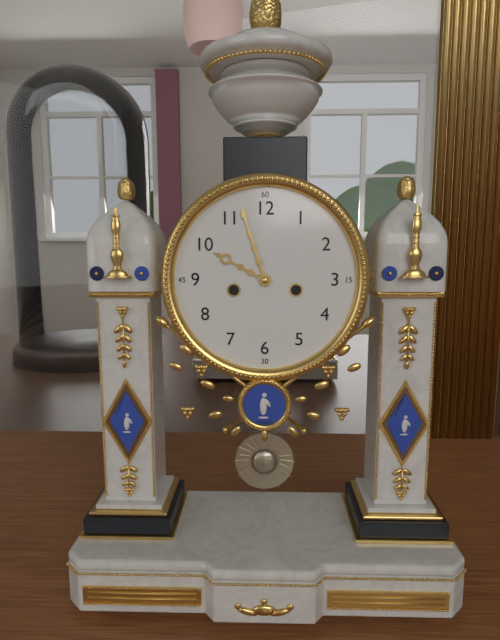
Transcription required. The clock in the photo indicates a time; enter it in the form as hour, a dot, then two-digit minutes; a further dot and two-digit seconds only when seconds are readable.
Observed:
9.57
